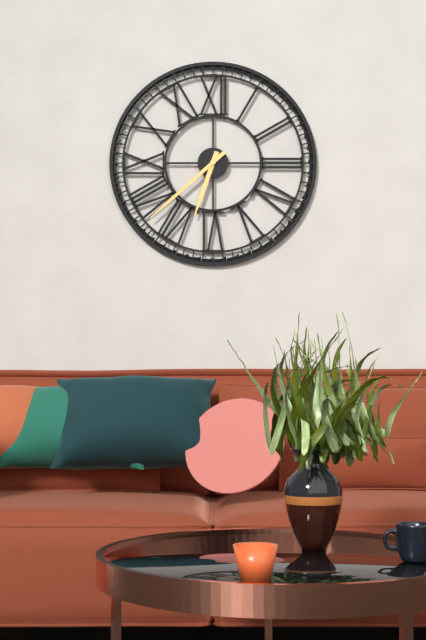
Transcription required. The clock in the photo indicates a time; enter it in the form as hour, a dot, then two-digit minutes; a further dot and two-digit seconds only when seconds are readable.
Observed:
6.38
